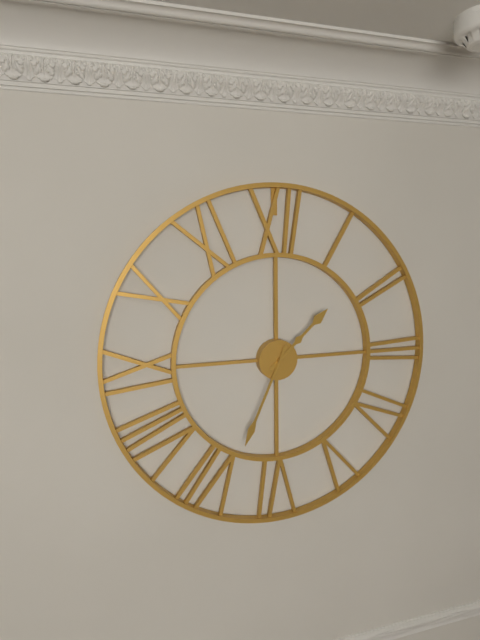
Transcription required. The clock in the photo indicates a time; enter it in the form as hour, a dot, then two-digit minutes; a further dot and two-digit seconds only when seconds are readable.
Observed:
1.34
